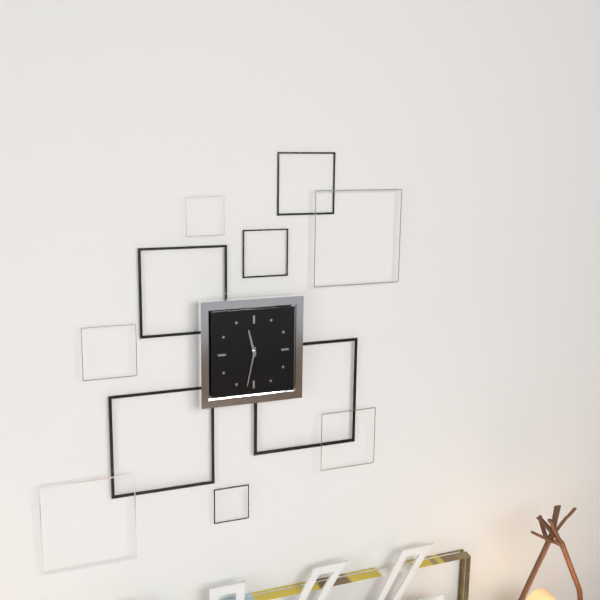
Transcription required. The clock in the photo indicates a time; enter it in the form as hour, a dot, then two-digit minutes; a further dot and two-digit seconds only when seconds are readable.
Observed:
11.32
